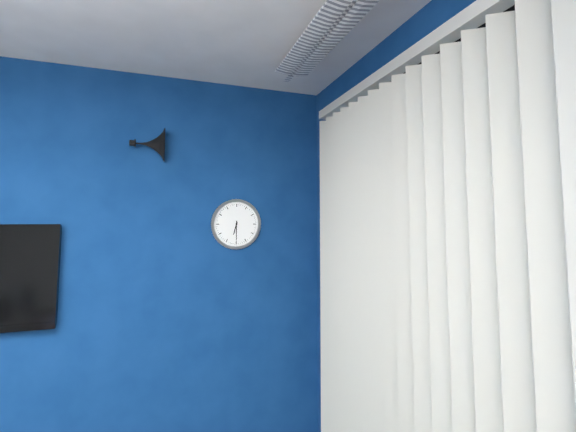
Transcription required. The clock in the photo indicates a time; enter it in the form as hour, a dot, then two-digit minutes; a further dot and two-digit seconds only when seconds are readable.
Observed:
6.30
